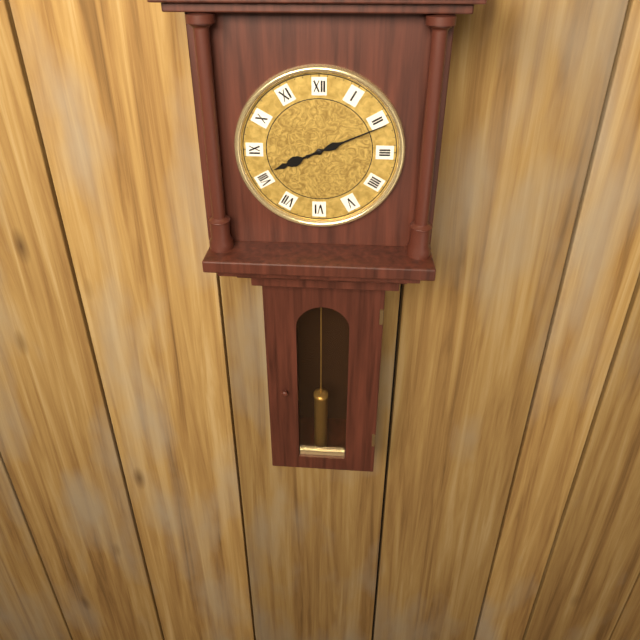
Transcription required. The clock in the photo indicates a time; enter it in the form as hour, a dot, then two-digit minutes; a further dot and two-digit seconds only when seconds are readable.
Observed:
8.11
